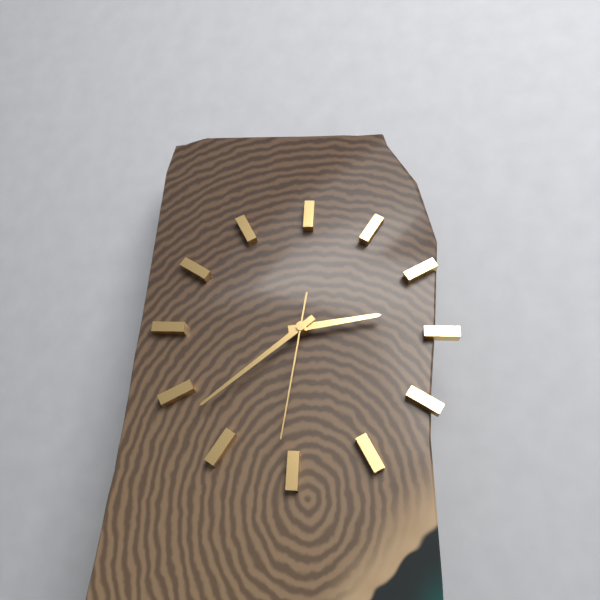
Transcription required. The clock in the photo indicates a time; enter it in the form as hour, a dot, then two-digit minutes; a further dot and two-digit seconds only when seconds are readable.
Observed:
2.38.31
